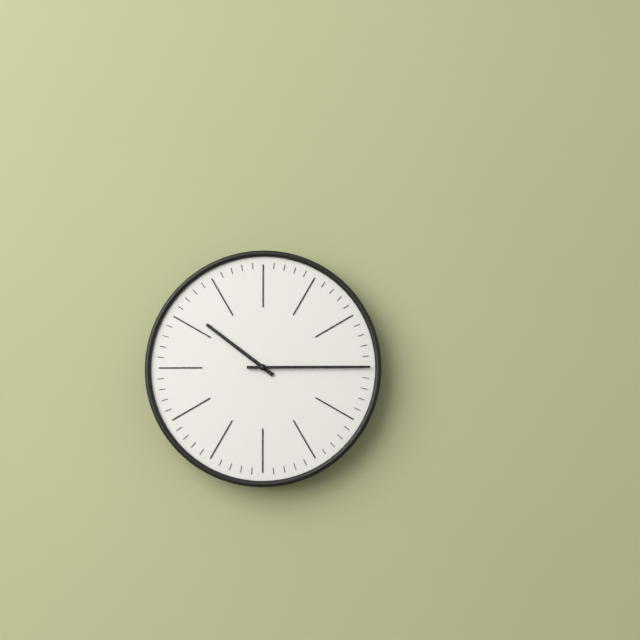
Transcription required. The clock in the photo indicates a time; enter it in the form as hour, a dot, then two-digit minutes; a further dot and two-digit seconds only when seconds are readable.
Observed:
10.15
